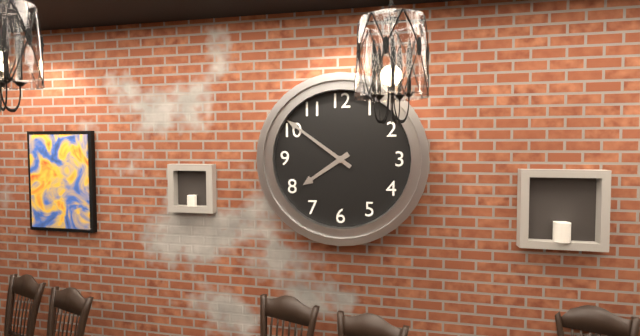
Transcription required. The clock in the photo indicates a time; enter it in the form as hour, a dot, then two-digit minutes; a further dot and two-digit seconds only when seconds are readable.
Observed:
7.51
